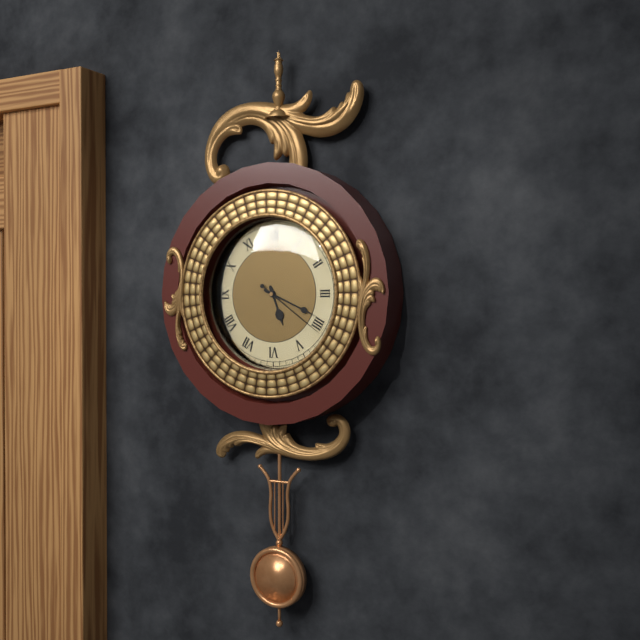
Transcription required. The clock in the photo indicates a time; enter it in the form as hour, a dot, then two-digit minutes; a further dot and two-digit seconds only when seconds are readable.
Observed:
5.19.21
